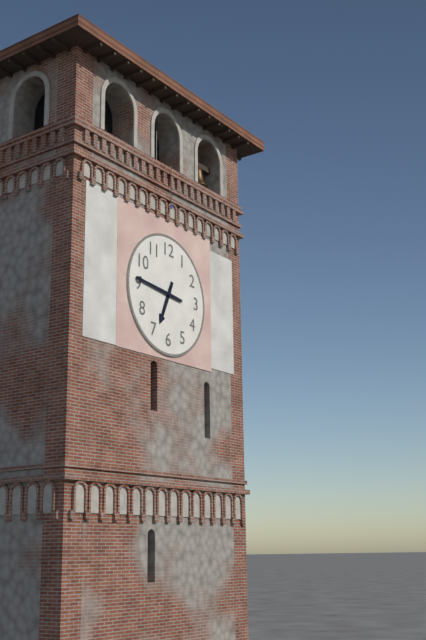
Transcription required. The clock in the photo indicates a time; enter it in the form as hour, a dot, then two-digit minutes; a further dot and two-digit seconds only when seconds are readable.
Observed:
6.46
